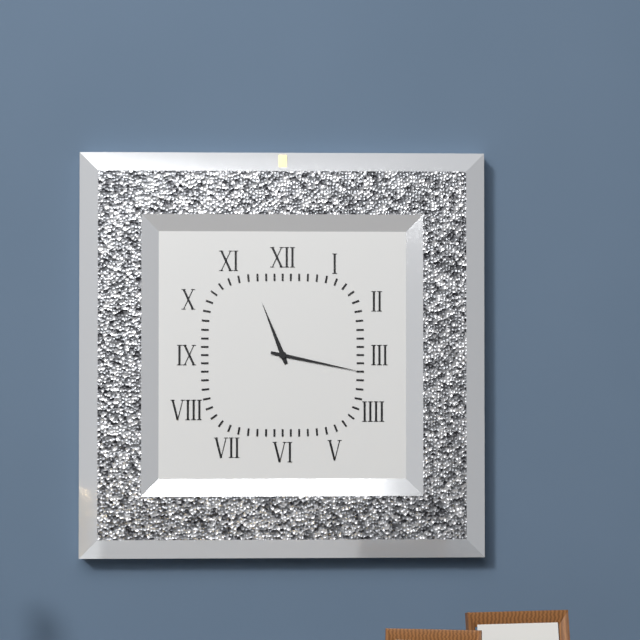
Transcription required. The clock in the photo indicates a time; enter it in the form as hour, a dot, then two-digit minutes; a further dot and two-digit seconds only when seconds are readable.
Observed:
11.17
